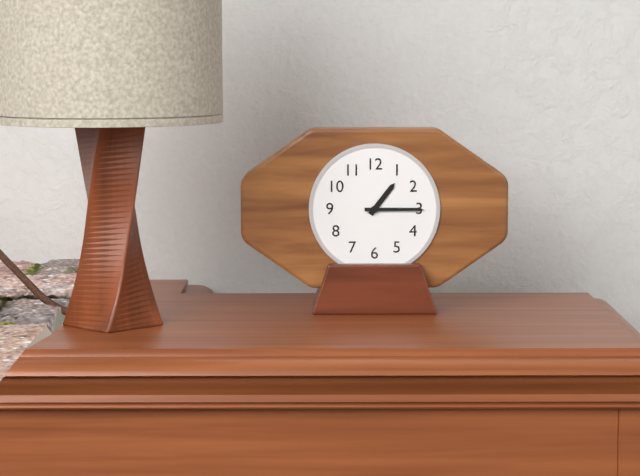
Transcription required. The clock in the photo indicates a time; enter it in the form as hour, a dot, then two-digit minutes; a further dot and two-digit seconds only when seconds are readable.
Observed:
1.15
